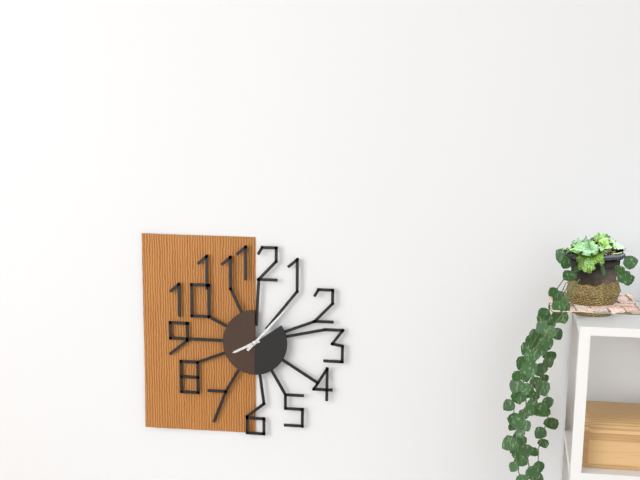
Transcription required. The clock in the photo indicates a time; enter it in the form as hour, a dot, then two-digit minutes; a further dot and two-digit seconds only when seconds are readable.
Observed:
8.07
